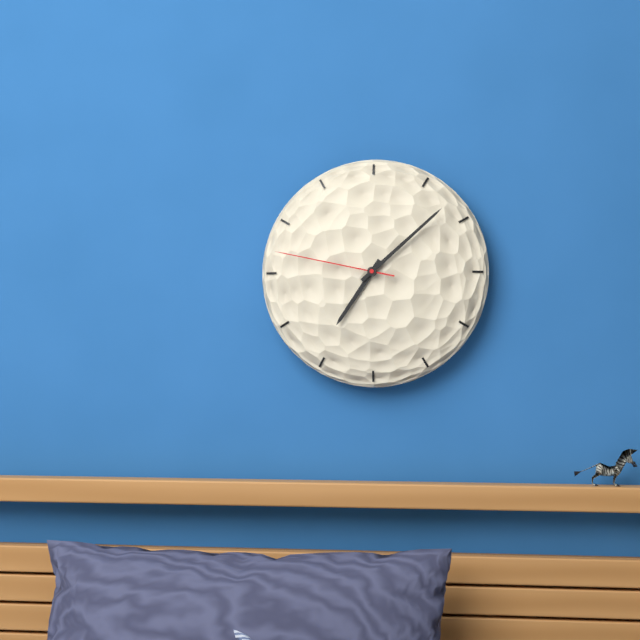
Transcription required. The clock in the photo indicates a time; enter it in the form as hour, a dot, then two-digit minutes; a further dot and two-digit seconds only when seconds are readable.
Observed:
7.08.47
